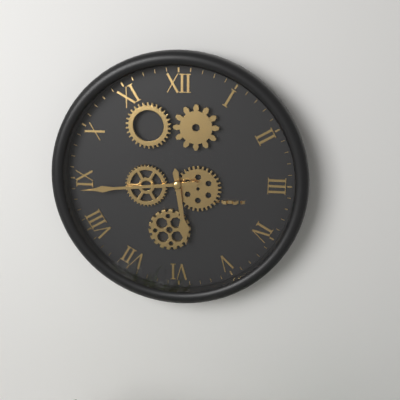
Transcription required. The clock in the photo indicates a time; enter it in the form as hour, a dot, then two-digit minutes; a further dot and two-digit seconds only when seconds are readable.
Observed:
5.44
